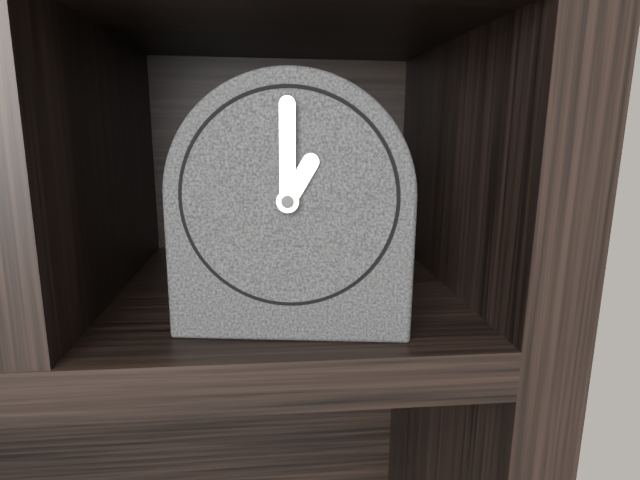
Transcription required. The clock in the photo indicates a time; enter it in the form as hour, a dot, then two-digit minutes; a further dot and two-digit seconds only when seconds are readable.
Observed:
1.00
